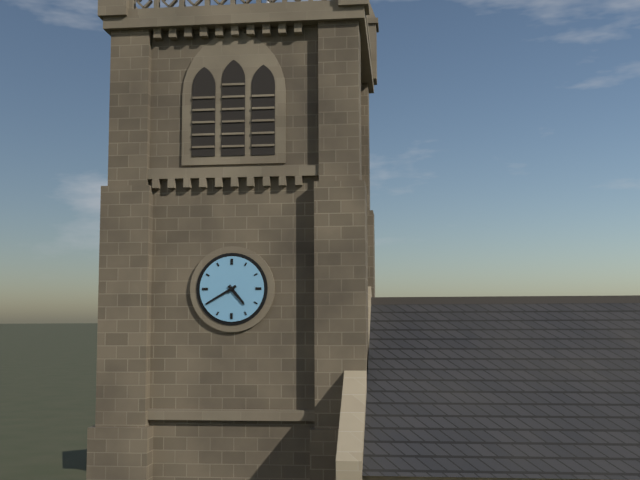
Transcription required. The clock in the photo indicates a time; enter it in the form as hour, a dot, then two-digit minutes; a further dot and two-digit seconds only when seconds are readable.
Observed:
4.40
